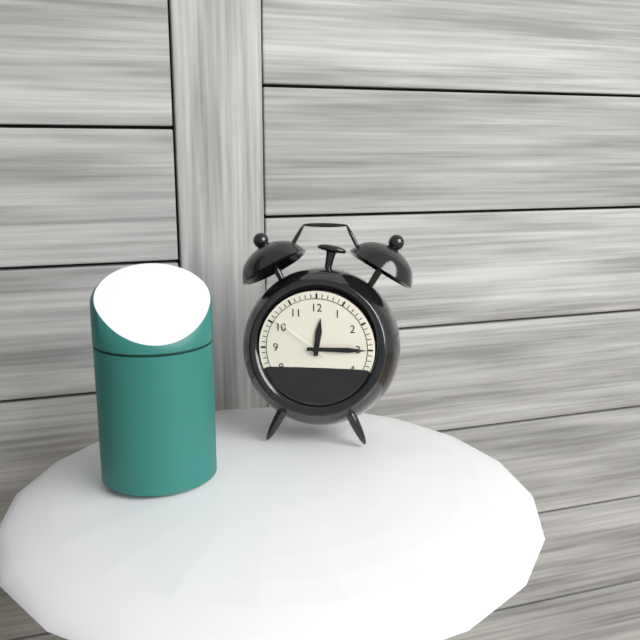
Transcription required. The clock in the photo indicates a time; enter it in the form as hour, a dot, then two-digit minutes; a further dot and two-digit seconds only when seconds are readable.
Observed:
12.15.51
